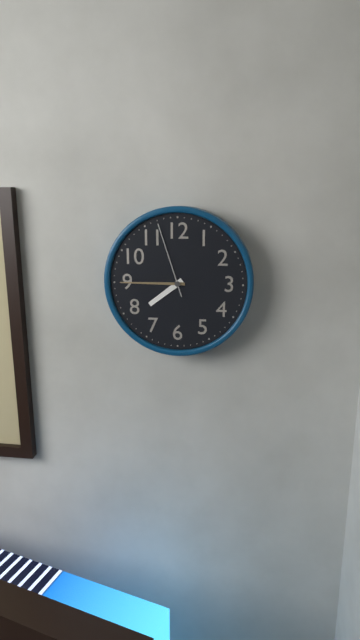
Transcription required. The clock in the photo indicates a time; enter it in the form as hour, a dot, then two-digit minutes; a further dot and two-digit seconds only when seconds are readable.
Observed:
7.45.57
